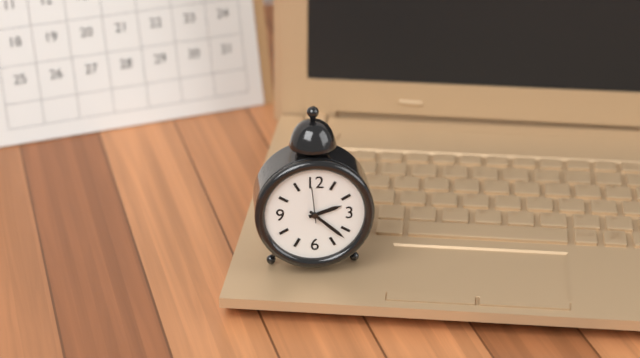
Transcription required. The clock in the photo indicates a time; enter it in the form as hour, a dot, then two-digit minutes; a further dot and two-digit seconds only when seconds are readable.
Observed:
2.22
